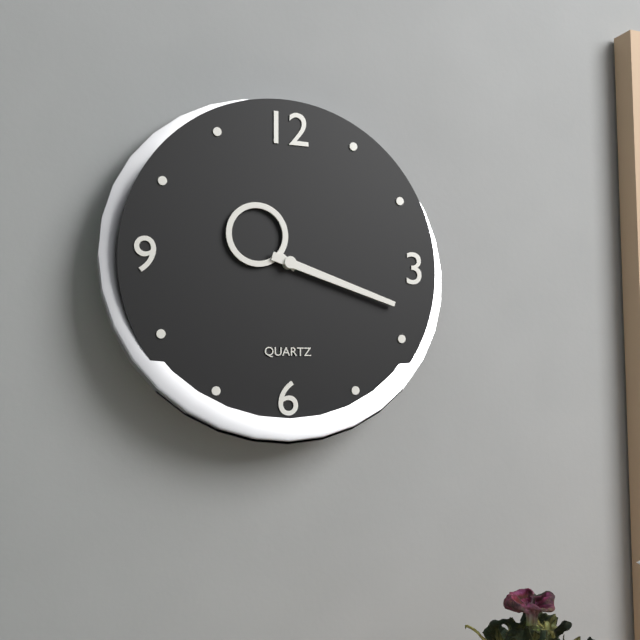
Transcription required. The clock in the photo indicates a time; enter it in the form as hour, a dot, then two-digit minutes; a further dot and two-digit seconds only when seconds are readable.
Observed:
10.18
